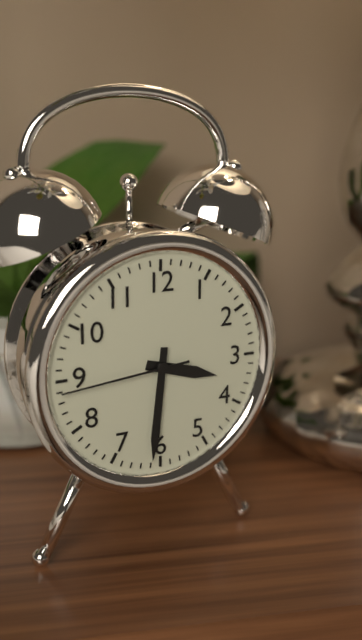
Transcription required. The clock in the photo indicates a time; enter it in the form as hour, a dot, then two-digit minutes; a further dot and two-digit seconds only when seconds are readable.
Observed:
3.31.44
